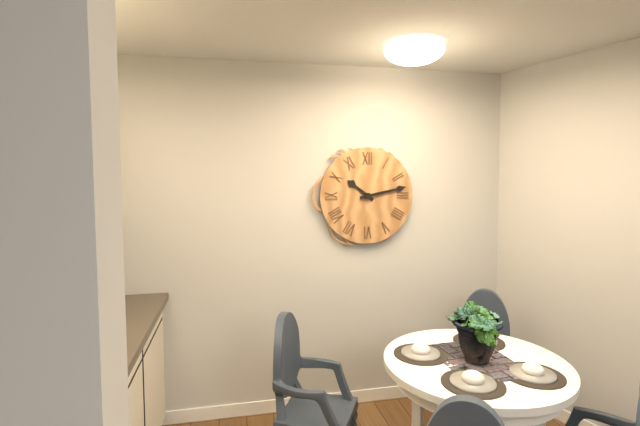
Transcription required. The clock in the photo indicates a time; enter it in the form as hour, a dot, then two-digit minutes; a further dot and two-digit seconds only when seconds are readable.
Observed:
10.13
